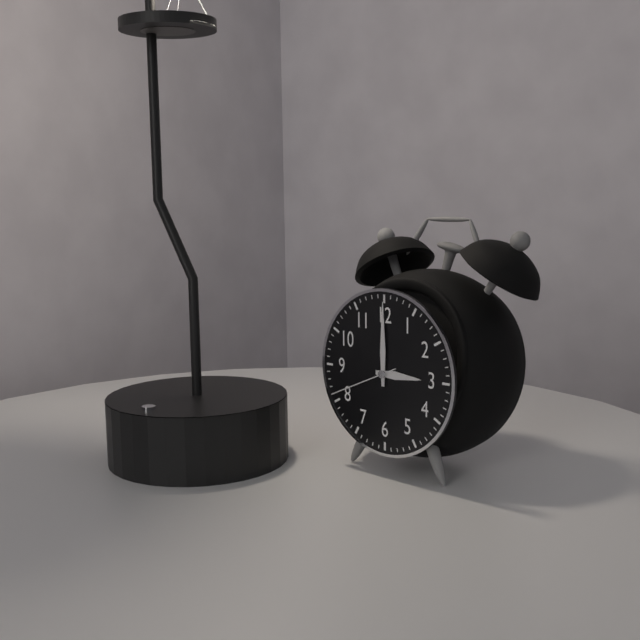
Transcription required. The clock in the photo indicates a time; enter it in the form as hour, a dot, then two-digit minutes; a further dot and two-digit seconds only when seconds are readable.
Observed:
3.00.41
